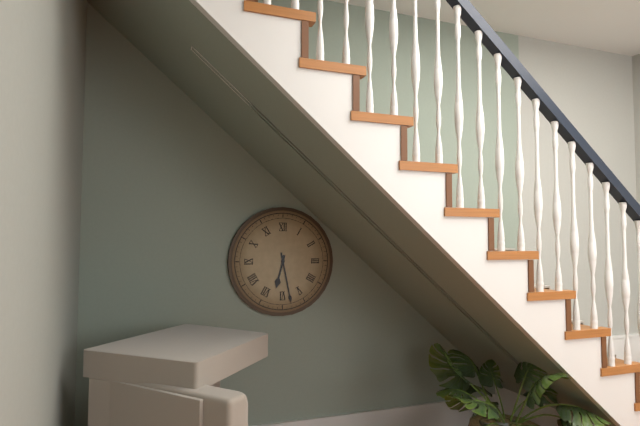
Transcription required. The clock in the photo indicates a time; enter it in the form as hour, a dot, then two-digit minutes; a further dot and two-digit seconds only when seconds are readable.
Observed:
6.28
